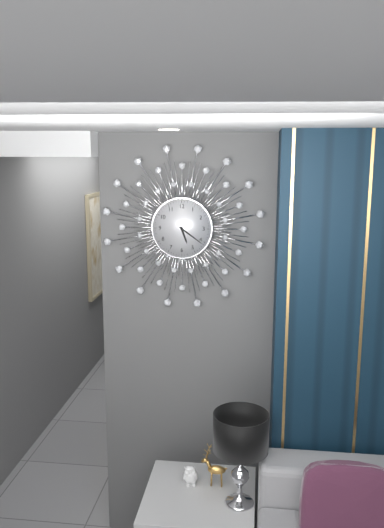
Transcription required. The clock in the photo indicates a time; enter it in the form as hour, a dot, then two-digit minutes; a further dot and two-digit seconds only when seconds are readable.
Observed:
5.21
